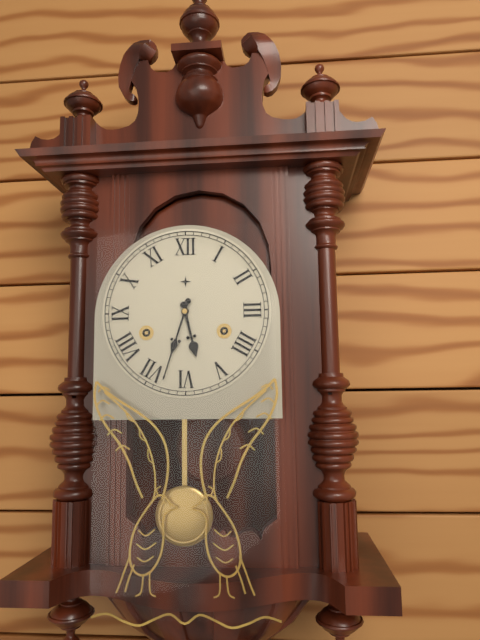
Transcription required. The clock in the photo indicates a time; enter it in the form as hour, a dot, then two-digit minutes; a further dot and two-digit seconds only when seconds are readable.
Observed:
5.33
